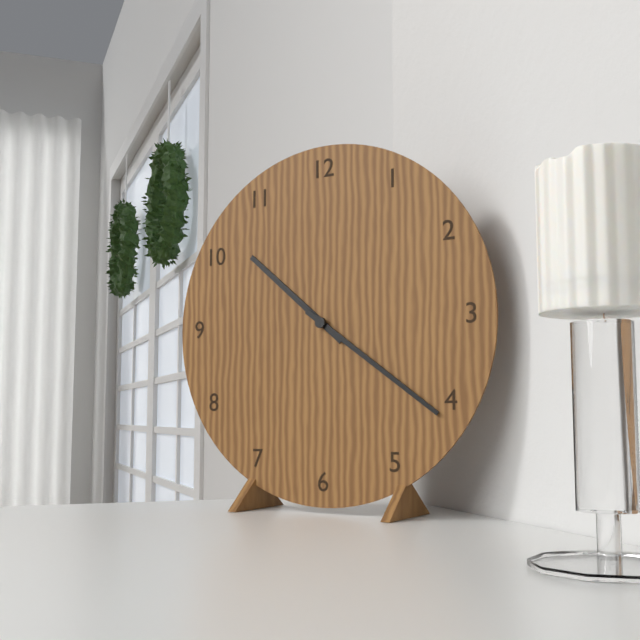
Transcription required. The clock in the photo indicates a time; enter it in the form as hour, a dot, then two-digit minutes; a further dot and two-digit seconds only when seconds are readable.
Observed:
10.21
